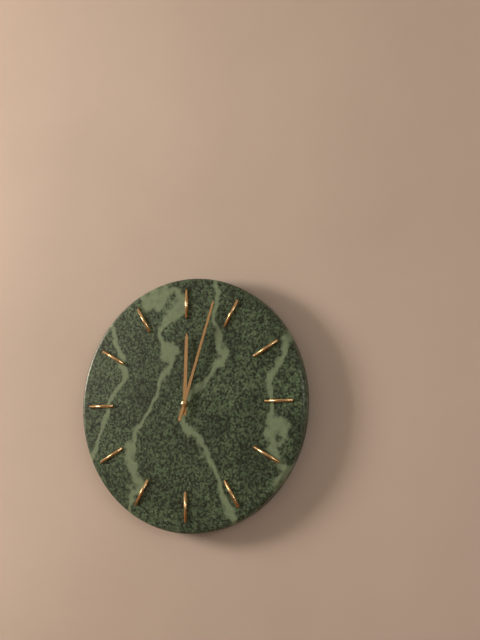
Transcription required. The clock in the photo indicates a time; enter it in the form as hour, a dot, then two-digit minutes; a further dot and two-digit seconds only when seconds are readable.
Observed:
12.03
